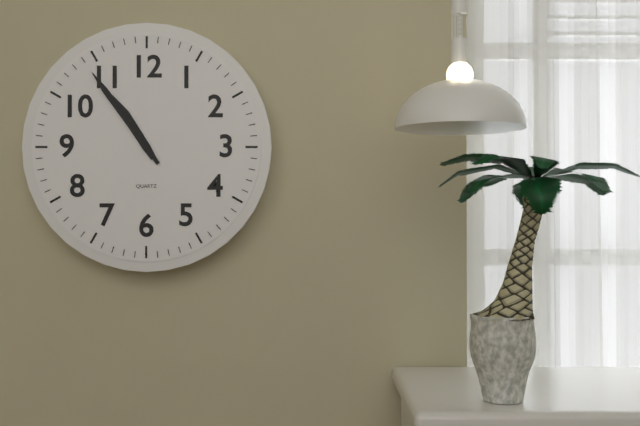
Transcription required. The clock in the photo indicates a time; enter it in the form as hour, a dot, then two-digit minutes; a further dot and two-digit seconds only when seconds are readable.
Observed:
10.54
